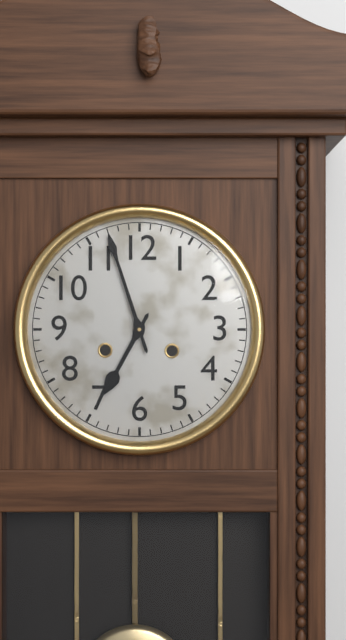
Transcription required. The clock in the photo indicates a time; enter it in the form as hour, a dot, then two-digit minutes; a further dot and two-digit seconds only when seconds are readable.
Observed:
6.57
